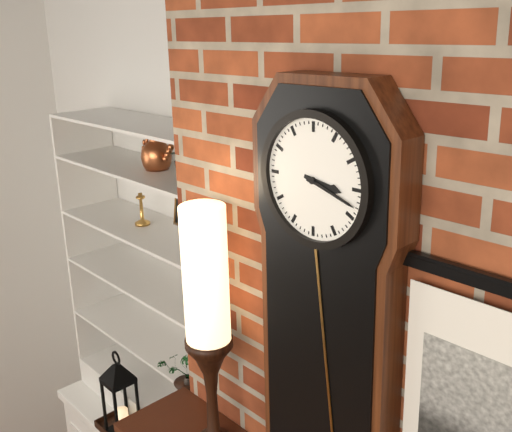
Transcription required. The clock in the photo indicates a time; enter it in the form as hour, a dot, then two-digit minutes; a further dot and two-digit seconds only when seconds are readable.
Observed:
3.18
